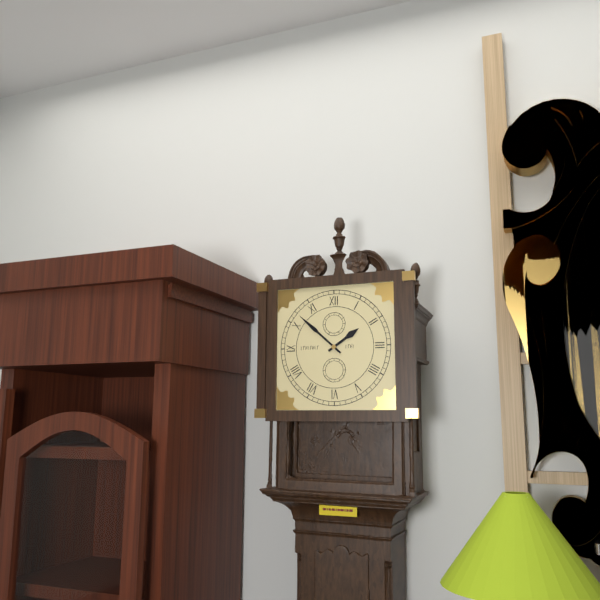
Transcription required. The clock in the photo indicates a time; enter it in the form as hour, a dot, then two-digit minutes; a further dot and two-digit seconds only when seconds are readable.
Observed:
1.52
